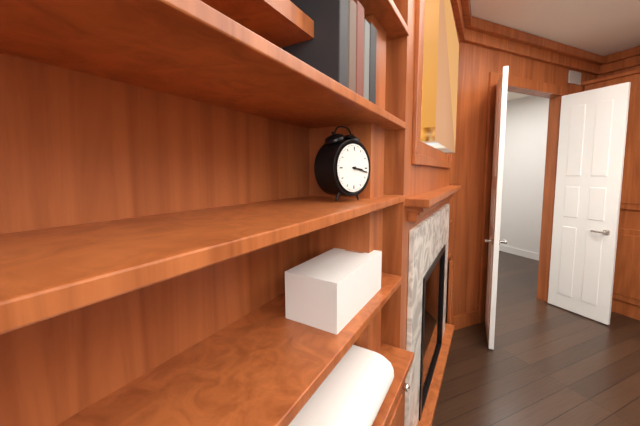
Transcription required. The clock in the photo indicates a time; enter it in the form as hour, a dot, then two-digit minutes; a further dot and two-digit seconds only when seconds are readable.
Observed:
3.17
